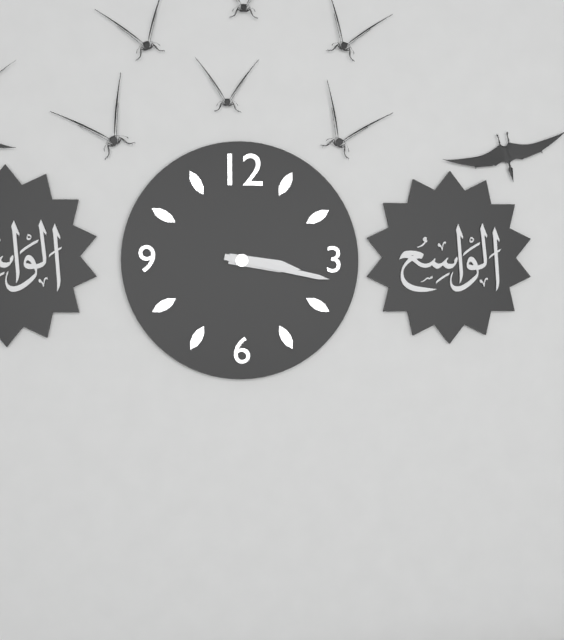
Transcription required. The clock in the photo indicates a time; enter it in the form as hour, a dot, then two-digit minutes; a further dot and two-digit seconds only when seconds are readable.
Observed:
3.17
